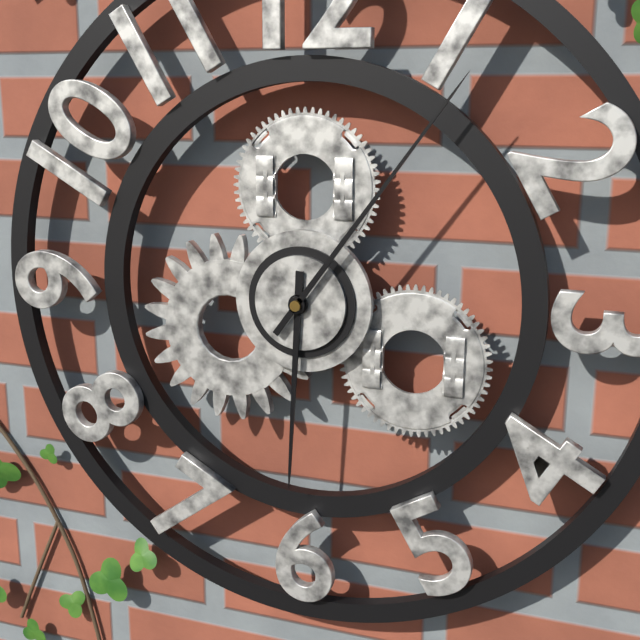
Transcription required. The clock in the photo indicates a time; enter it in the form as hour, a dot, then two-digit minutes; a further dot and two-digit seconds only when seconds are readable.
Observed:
6.06
